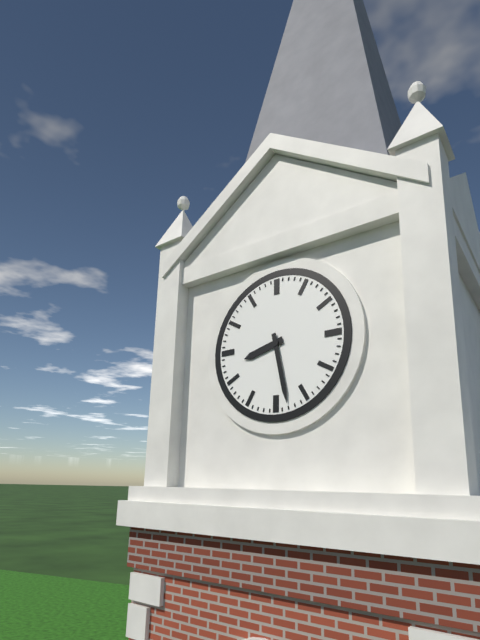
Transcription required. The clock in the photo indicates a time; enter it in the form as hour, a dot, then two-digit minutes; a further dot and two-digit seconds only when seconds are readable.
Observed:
8.28
